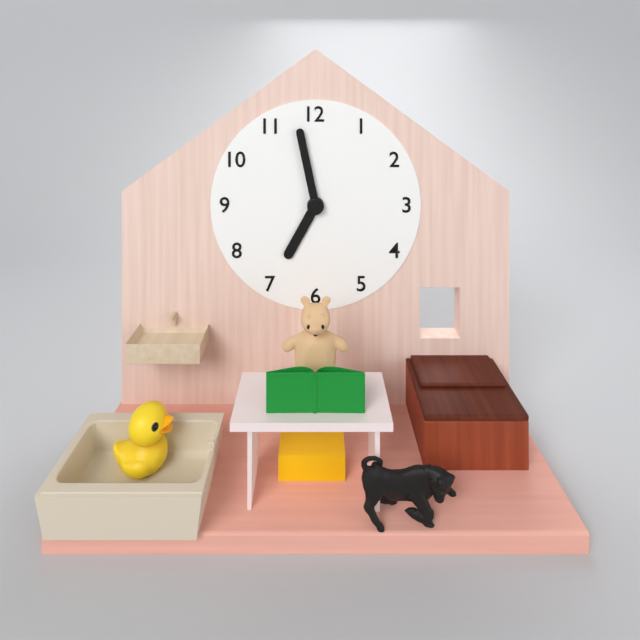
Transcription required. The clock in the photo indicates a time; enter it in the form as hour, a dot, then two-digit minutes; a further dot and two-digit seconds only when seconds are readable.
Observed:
6.58
